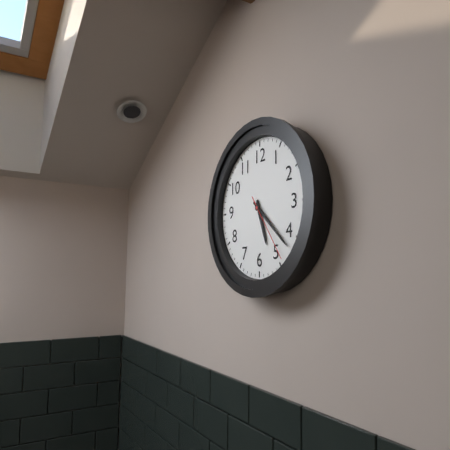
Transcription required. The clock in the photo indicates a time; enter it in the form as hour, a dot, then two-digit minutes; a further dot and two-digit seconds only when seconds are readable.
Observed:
5.22.24
